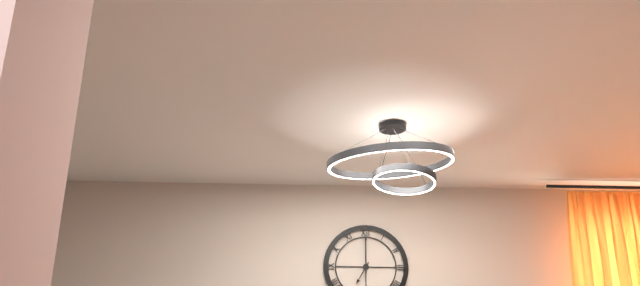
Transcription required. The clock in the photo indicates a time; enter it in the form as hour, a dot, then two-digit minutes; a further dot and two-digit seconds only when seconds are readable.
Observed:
7.00
